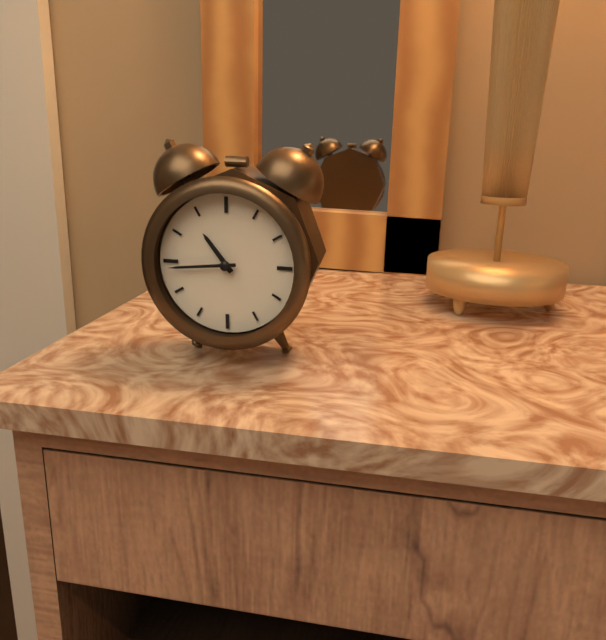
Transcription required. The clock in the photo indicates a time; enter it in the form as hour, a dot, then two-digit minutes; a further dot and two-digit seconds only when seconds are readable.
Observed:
10.44
